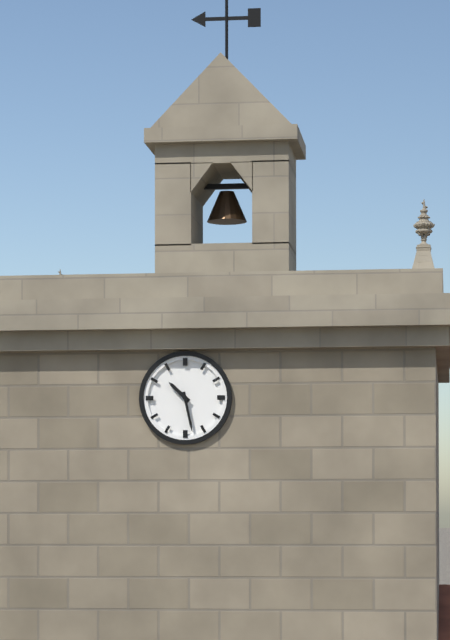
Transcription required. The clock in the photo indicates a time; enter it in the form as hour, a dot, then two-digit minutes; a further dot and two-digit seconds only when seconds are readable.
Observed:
10.28
